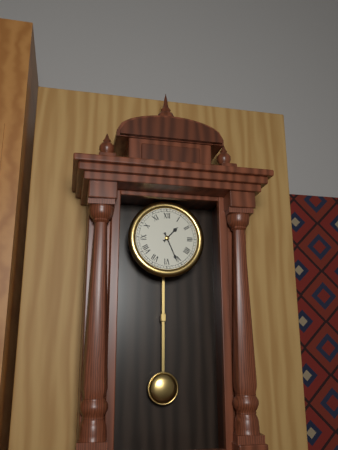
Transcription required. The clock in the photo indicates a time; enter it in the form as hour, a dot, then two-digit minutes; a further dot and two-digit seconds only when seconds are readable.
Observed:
1.26
